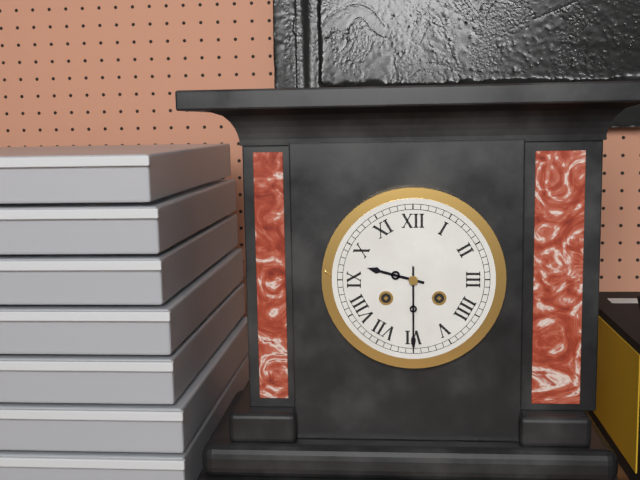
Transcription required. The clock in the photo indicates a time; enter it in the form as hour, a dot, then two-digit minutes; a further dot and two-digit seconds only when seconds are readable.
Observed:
9.30
